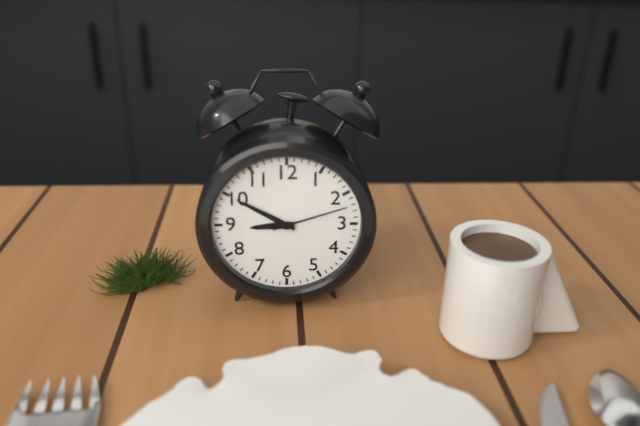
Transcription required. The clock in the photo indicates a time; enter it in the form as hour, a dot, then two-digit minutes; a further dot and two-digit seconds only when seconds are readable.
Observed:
8.50.12
